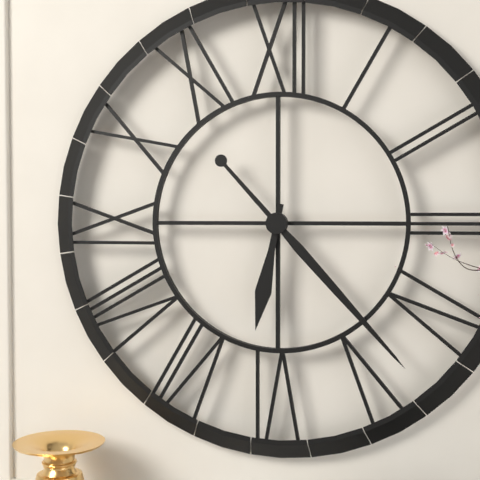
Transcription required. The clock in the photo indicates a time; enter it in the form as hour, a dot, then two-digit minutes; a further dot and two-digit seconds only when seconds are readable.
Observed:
6.23
